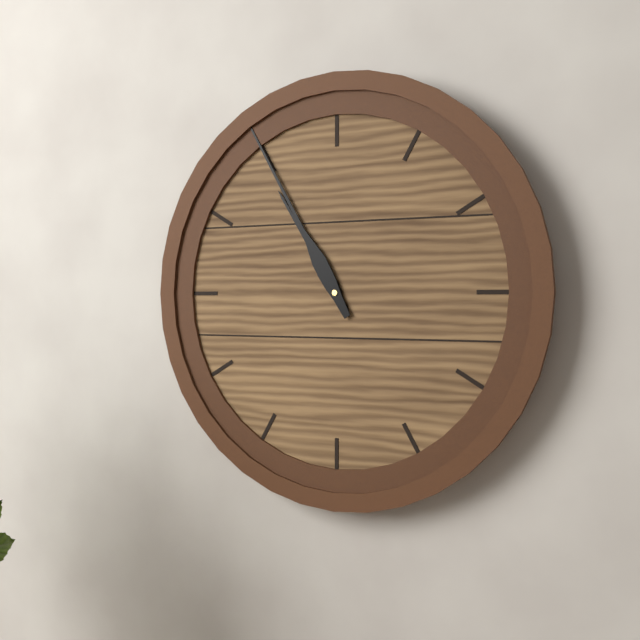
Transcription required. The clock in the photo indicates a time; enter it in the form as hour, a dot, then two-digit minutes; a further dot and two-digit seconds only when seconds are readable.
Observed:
10.55
